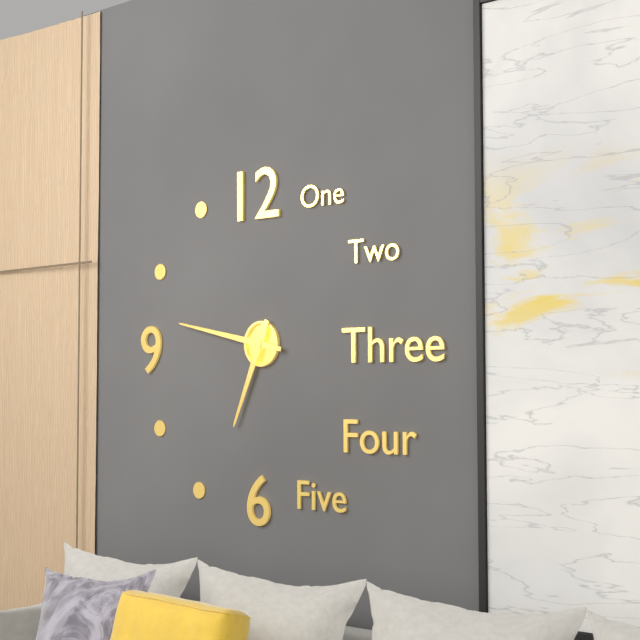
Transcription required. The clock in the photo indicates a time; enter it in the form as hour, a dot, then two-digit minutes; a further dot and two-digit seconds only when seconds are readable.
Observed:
6.47
